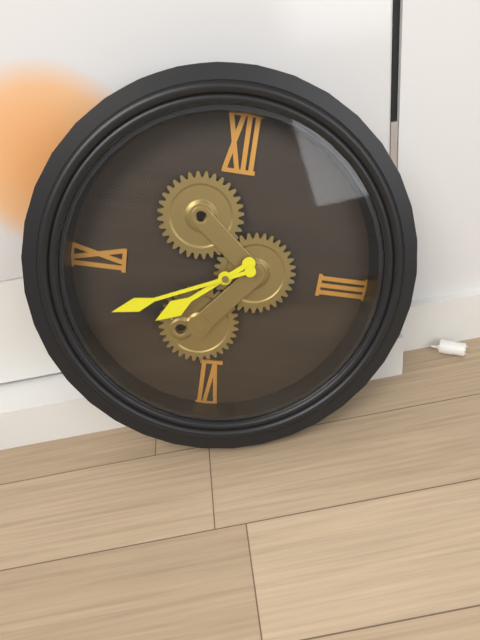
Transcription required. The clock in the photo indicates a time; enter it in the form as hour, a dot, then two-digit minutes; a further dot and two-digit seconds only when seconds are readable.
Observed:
7.41
